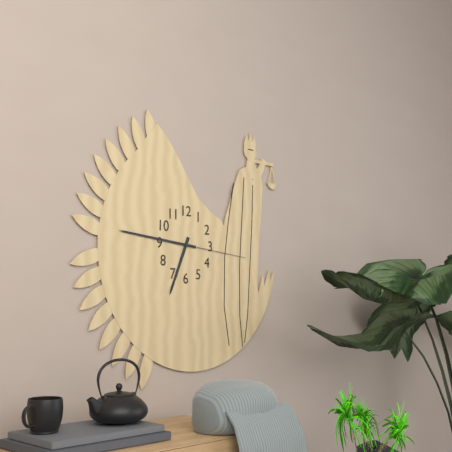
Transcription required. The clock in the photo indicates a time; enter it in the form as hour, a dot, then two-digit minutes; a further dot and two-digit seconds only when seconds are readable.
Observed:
6.46.16
